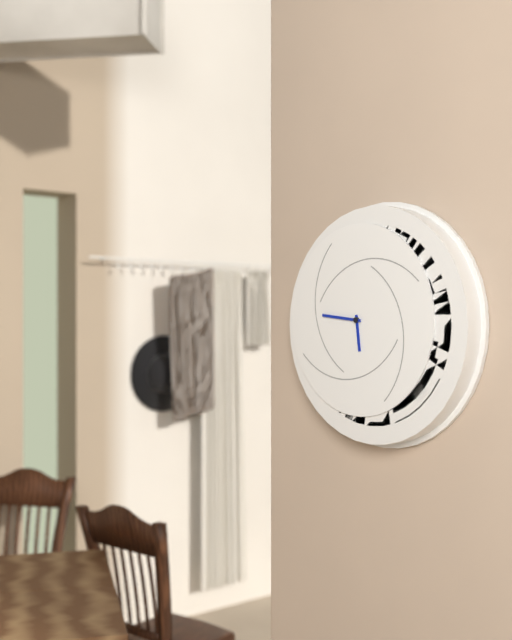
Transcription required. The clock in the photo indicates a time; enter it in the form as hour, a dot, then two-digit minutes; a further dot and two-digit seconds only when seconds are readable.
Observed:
5.46
